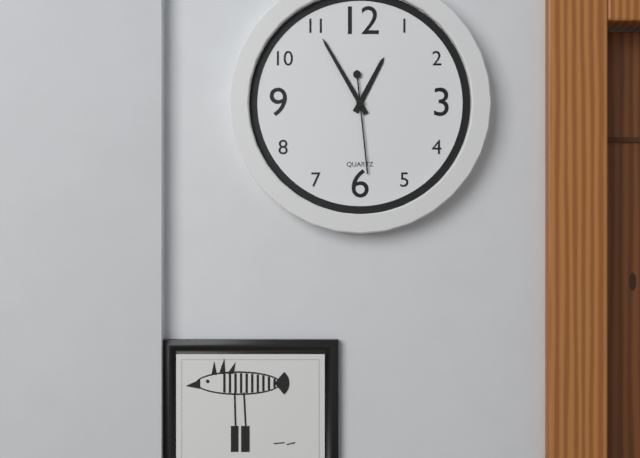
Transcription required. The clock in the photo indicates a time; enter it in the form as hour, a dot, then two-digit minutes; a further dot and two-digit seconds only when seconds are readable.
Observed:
12.55.29
